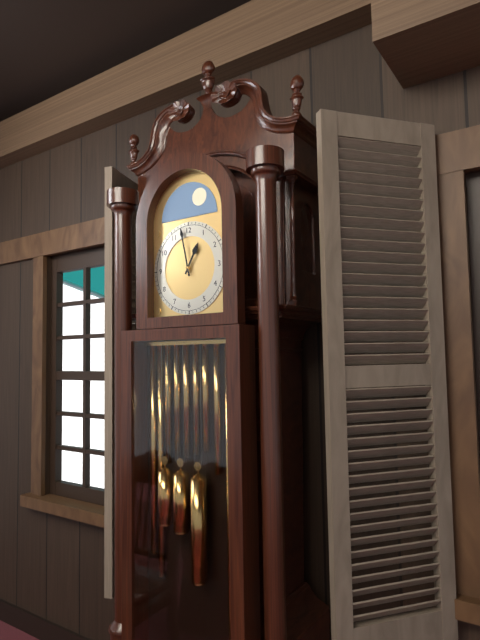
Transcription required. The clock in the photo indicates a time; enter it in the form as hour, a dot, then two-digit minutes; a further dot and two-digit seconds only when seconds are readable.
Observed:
12.58
